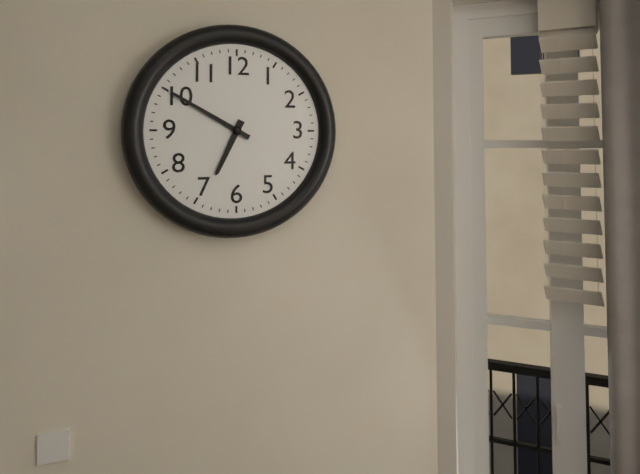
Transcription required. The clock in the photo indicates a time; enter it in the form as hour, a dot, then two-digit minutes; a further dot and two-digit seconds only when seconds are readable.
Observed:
6.50
